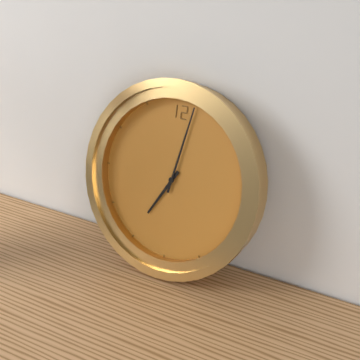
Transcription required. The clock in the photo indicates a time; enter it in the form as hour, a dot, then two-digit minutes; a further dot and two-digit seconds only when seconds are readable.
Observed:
7.02
